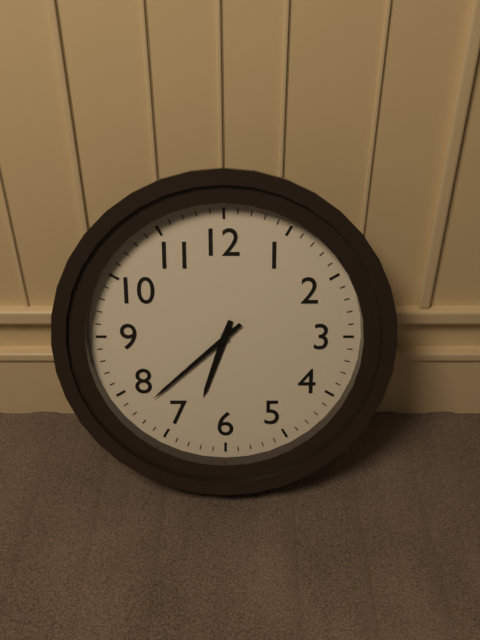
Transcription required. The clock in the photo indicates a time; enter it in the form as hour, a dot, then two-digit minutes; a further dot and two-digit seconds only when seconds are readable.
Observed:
6.38
